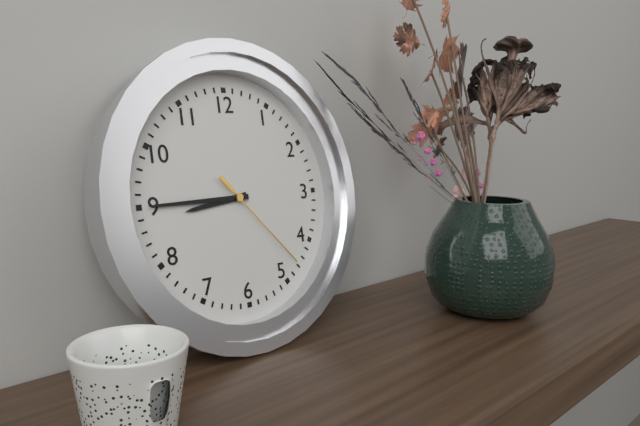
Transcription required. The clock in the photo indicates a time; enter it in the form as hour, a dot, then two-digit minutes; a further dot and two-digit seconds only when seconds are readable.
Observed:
8.45.23
